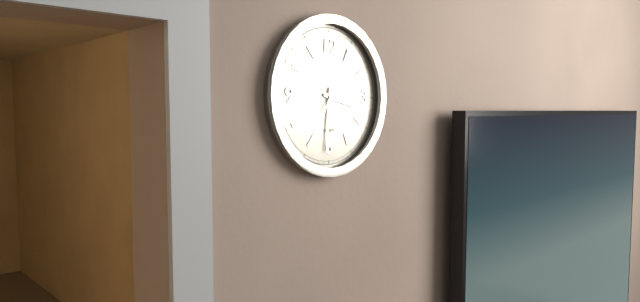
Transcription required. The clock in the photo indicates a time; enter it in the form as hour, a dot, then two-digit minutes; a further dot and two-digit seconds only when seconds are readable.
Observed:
3.31.05
